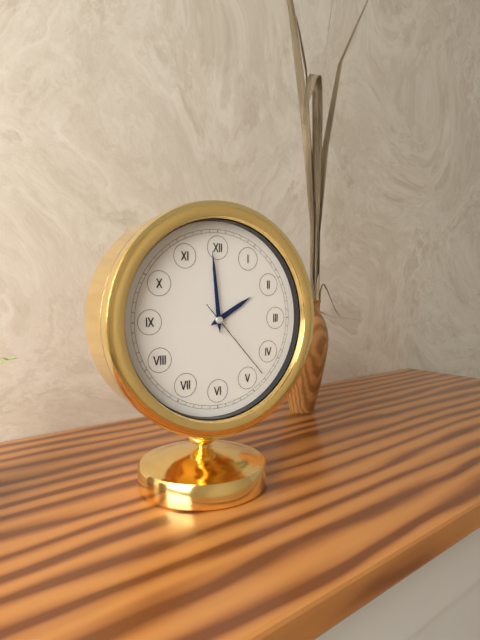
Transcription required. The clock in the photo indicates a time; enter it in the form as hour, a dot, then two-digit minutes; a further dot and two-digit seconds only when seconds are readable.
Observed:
1.59.23
